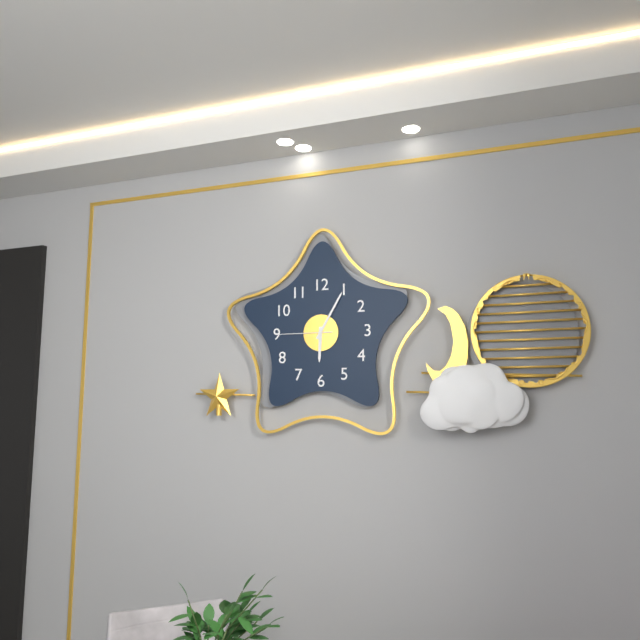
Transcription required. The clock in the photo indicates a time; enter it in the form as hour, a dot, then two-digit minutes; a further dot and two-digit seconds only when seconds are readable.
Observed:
6.05.45
